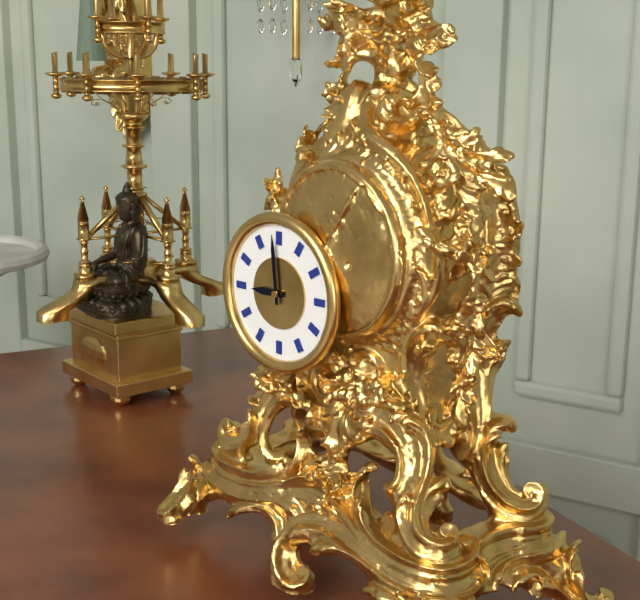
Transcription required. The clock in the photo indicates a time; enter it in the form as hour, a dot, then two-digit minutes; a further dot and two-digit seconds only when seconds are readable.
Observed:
8.59
